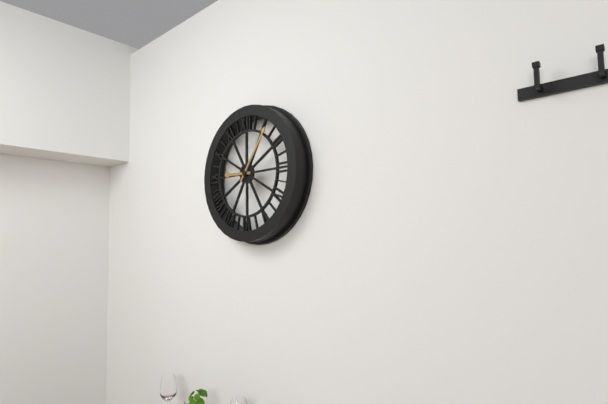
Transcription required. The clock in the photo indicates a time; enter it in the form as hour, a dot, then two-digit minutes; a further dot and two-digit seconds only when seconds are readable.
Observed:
9.06
